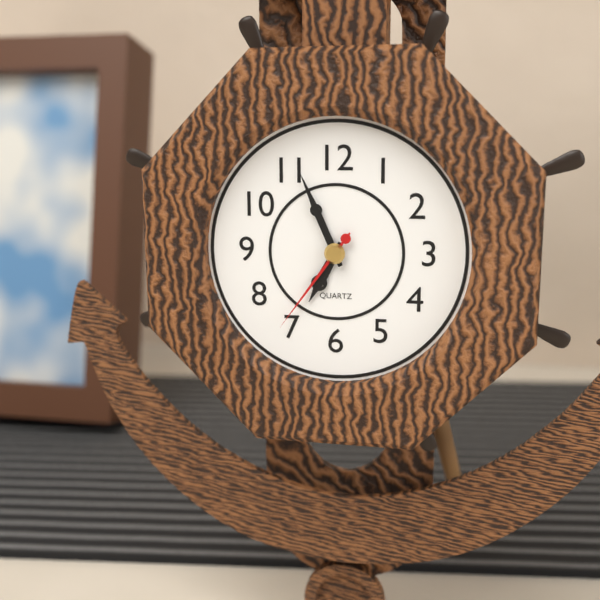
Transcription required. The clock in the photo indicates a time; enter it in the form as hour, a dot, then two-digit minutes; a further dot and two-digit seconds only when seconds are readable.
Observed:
6.56.36
